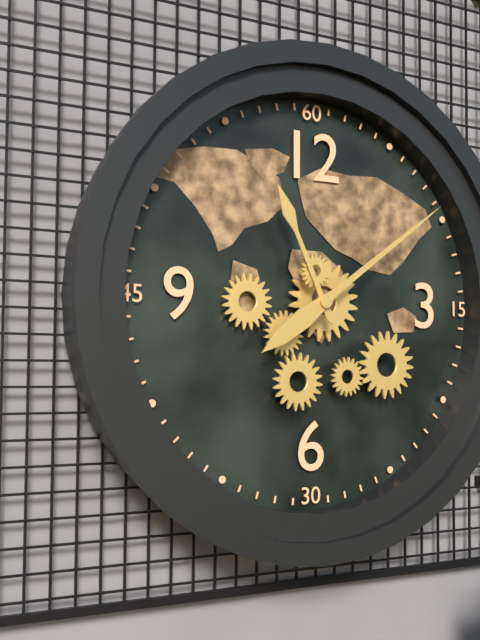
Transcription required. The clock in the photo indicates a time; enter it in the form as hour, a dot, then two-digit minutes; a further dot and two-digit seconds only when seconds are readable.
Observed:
11.09
